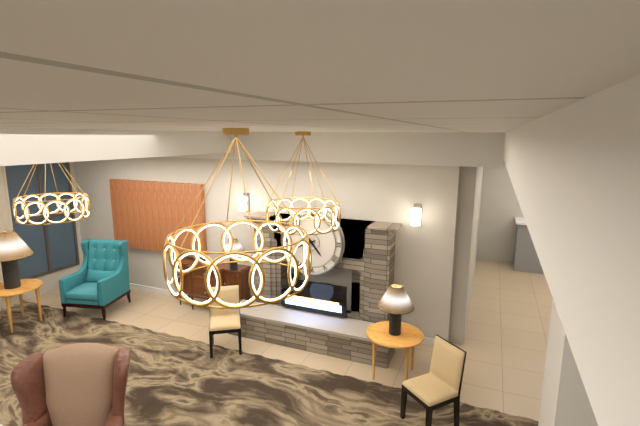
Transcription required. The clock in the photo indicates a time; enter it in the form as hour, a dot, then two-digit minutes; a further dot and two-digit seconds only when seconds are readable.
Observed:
4.41
